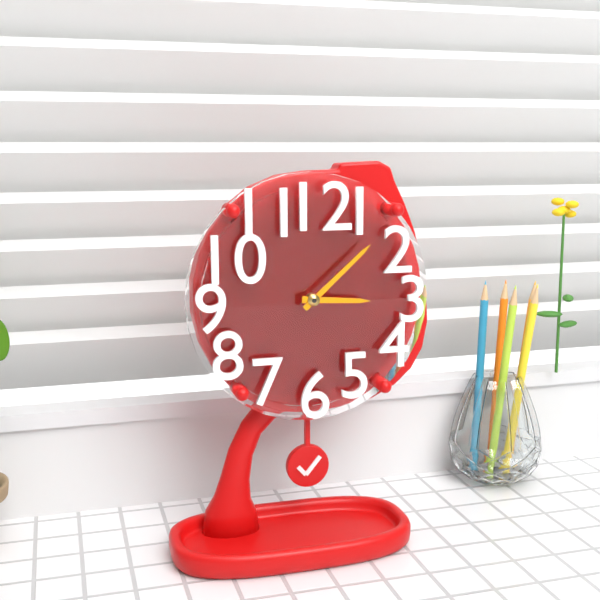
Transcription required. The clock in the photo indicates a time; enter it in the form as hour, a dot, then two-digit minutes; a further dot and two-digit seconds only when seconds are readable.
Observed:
3.08
